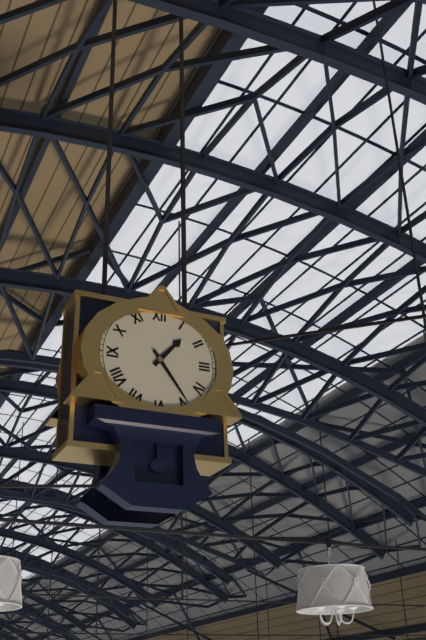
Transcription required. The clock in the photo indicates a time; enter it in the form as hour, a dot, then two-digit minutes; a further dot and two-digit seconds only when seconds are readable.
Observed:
1.24
